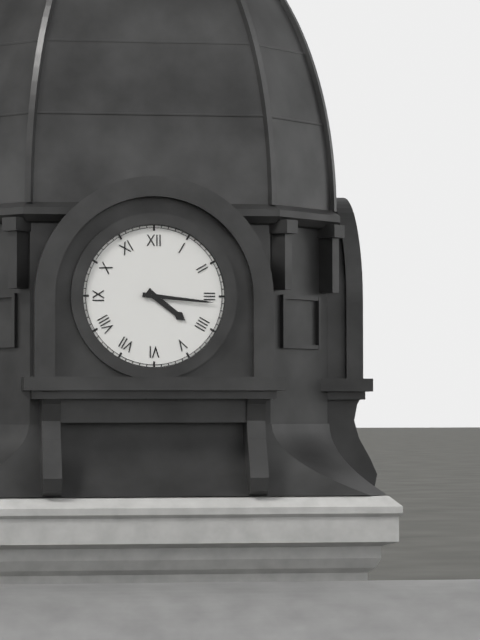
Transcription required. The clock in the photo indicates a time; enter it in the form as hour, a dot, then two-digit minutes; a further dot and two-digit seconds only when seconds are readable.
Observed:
4.16
